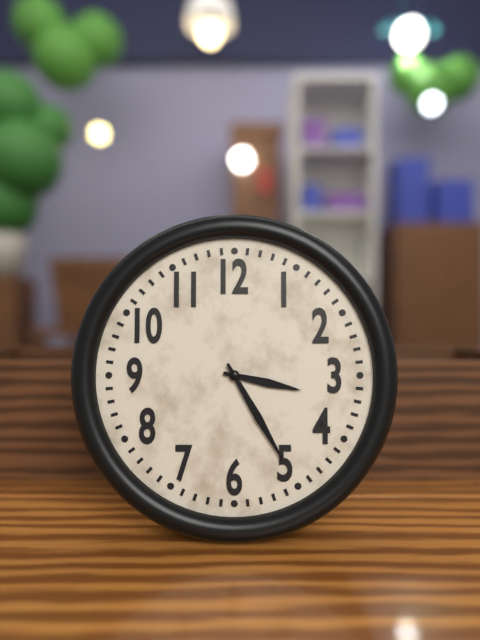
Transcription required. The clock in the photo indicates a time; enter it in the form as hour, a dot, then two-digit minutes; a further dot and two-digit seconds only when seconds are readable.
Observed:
3.25
